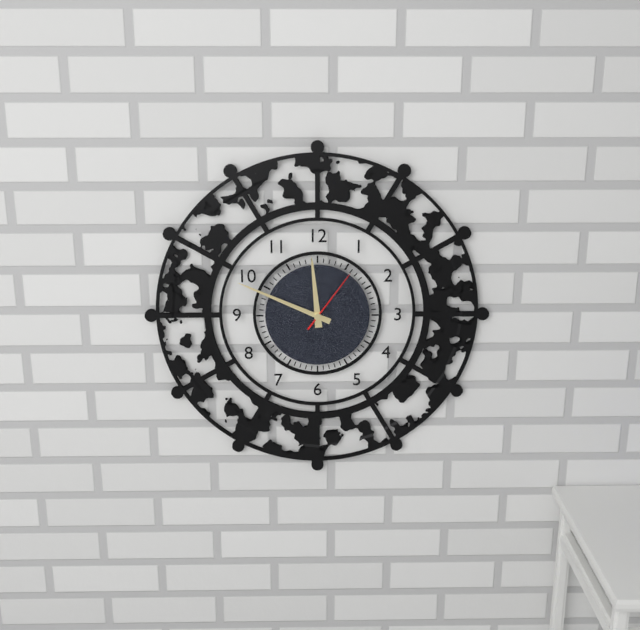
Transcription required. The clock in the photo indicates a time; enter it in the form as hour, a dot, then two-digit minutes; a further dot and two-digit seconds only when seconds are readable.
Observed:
11.49.06
